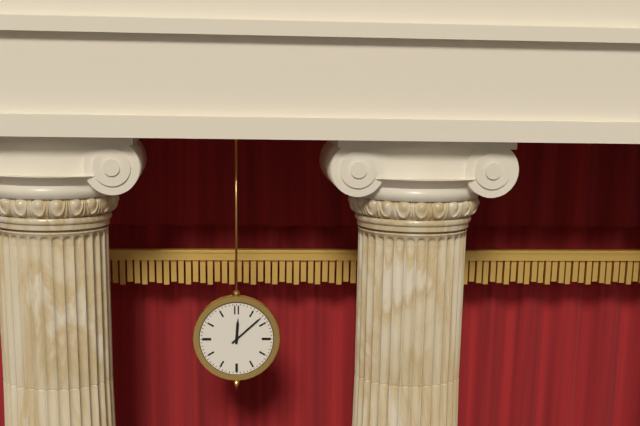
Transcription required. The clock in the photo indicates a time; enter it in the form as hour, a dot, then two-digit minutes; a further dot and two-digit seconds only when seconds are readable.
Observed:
12.08
